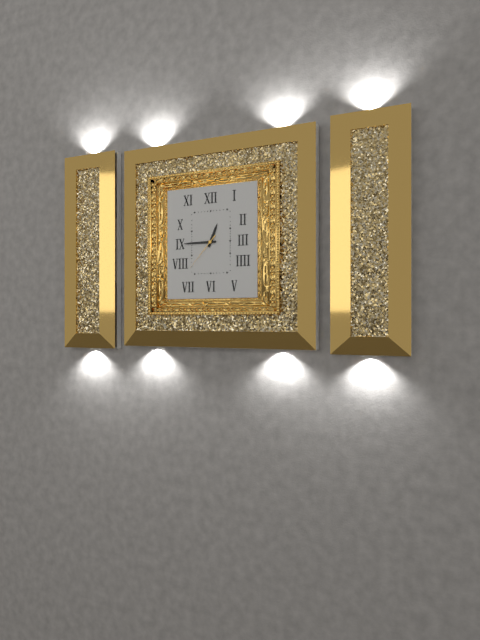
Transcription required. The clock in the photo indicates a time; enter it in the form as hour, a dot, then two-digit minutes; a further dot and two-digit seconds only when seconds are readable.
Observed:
12.45
